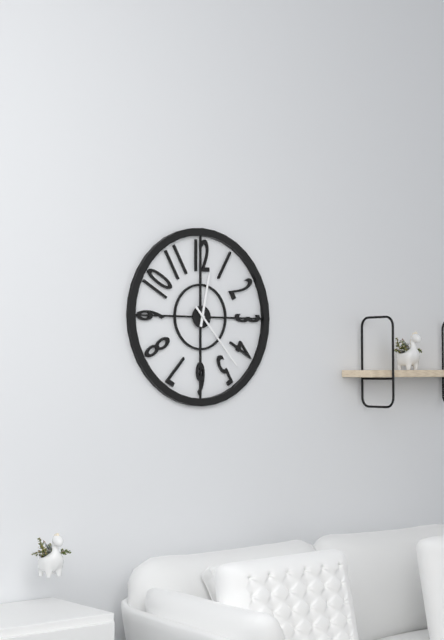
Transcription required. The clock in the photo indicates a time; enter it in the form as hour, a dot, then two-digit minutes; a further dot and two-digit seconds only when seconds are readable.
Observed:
12.23
